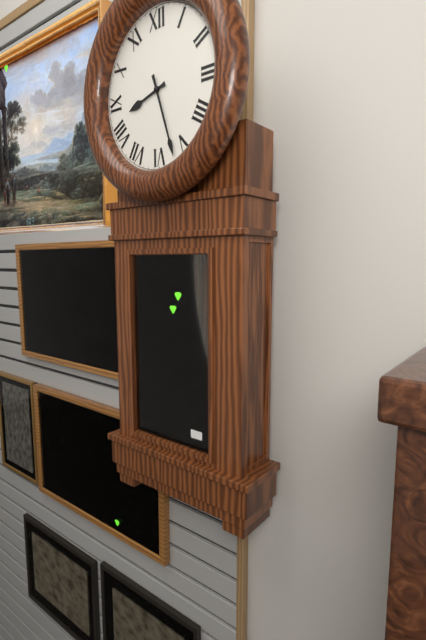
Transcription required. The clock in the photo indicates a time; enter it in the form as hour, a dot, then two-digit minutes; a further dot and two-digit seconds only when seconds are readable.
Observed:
8.27
